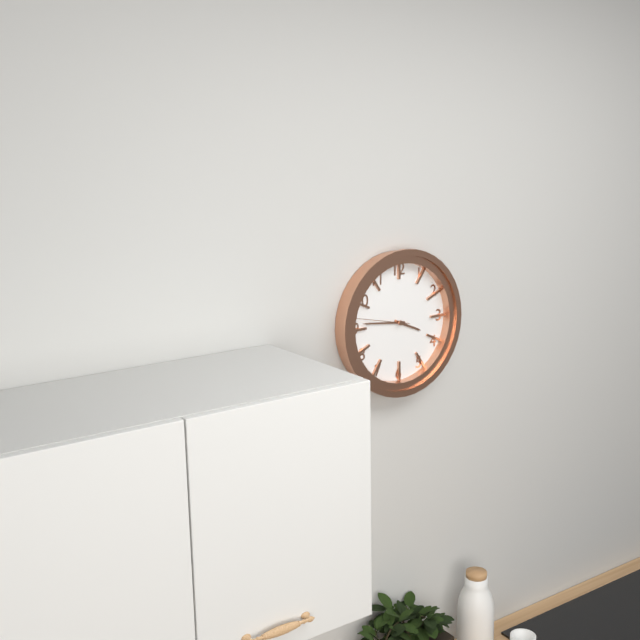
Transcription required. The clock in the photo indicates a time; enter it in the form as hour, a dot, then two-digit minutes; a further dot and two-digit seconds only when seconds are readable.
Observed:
3.46.47
